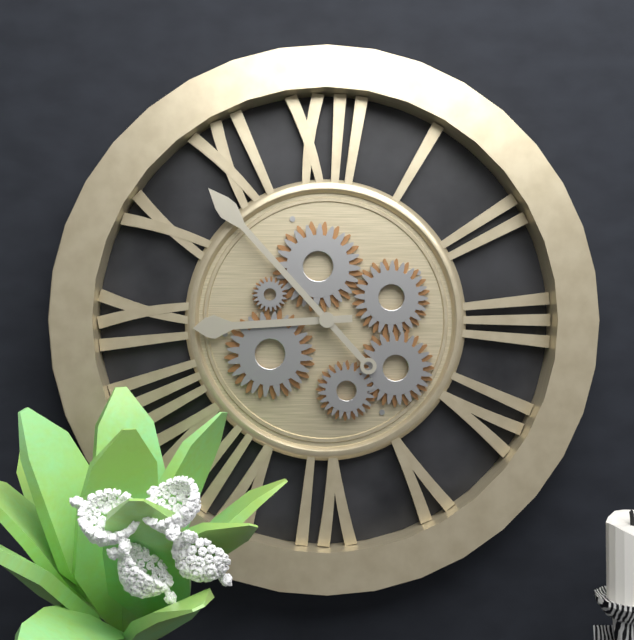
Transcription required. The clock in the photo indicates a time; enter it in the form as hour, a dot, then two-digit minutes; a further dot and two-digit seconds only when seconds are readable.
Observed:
8.53
